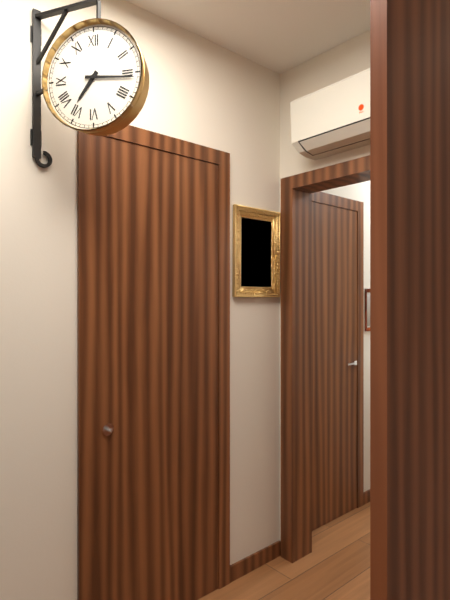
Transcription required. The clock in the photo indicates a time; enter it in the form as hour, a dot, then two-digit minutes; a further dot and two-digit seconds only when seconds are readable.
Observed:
7.16
